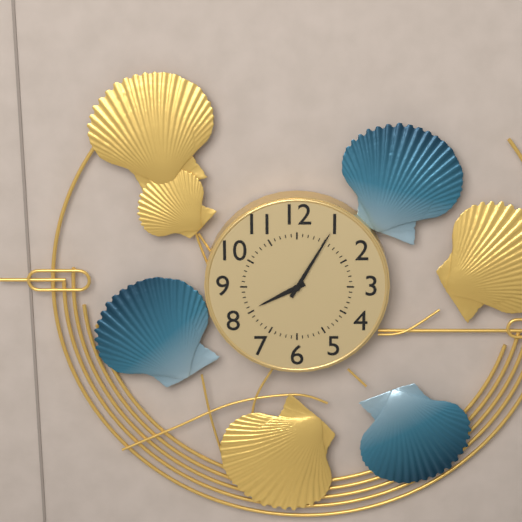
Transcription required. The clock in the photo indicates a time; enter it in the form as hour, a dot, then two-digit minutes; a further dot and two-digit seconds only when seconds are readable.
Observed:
8.05
